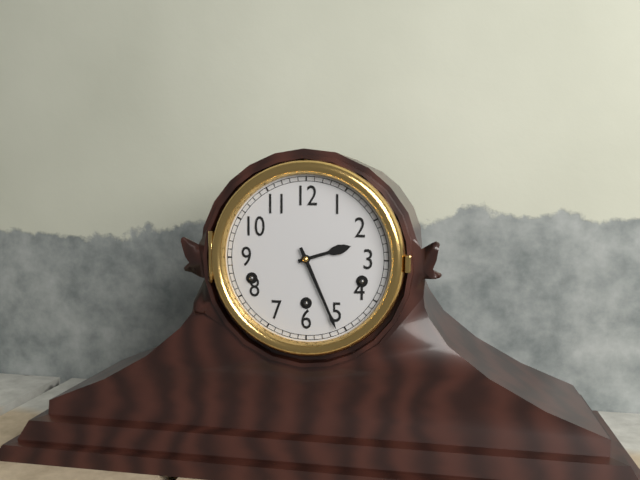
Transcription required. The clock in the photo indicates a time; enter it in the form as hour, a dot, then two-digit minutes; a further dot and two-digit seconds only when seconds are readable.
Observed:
2.26
